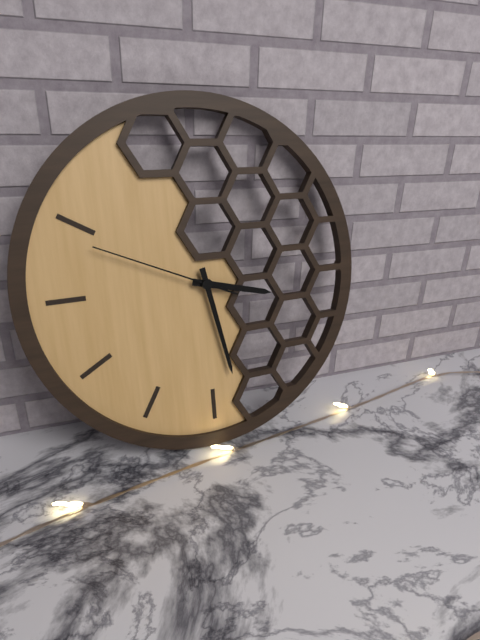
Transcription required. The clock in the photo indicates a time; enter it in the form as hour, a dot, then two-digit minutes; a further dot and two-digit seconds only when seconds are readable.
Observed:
3.28.49
